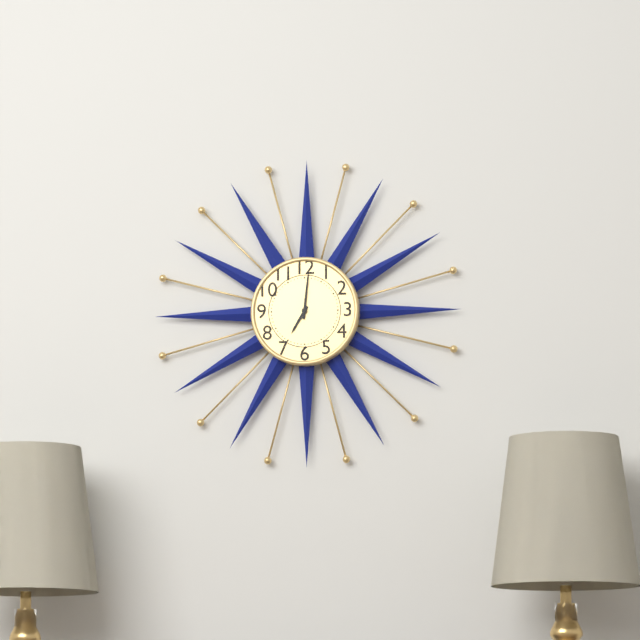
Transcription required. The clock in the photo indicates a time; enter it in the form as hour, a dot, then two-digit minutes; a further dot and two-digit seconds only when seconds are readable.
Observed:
7.01
